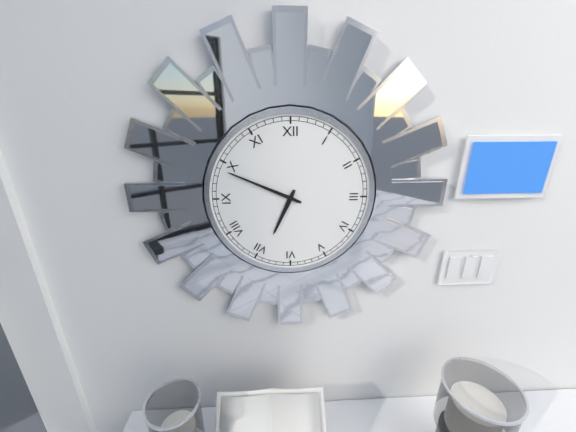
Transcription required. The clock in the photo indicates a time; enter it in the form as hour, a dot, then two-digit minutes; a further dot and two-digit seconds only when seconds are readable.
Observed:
6.49
